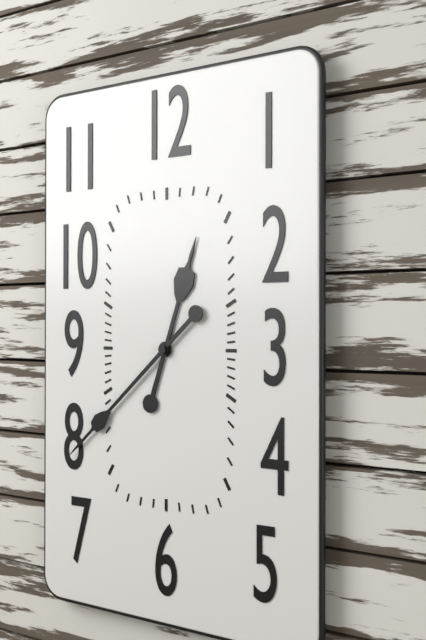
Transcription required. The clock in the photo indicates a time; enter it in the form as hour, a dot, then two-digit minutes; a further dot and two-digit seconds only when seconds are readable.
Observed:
12.38
